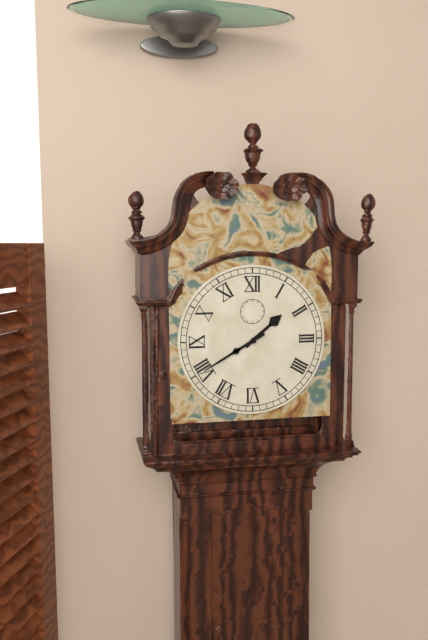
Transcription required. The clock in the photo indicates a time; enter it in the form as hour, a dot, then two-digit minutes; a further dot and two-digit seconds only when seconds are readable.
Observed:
1.40
